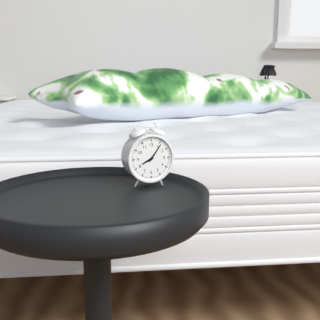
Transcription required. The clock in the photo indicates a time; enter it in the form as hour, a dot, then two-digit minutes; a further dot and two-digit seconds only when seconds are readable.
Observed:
8.06
